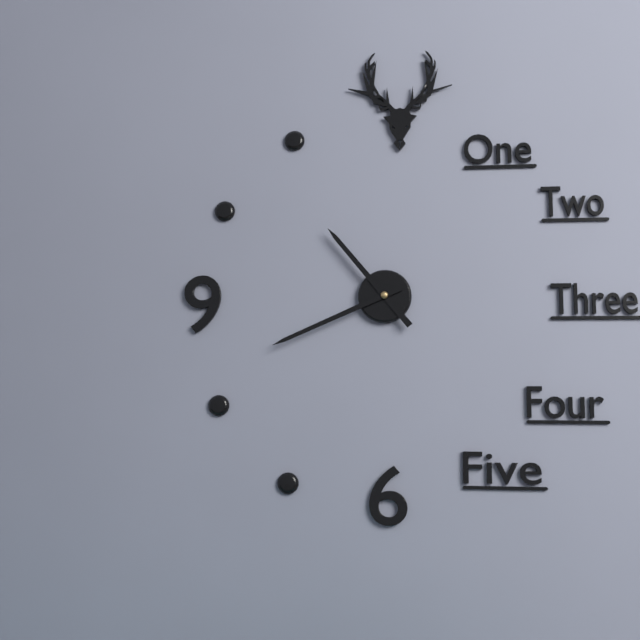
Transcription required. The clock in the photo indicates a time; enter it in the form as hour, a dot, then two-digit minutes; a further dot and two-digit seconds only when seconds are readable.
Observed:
10.41
